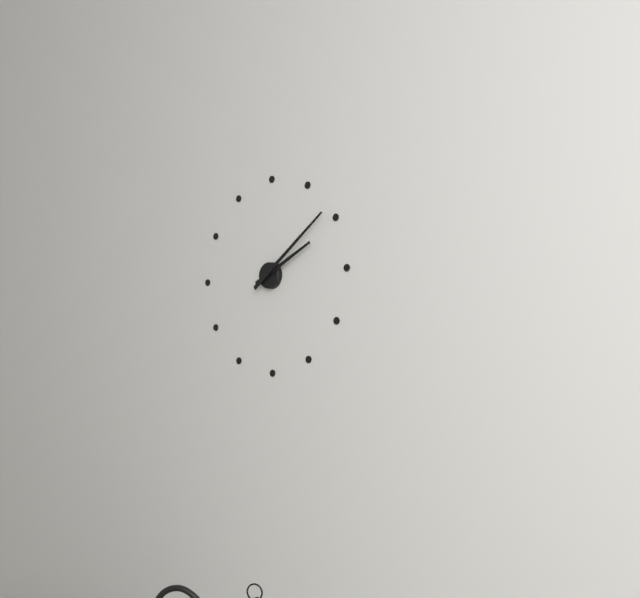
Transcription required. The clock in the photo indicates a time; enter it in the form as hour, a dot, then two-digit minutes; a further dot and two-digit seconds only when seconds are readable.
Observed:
2.09
